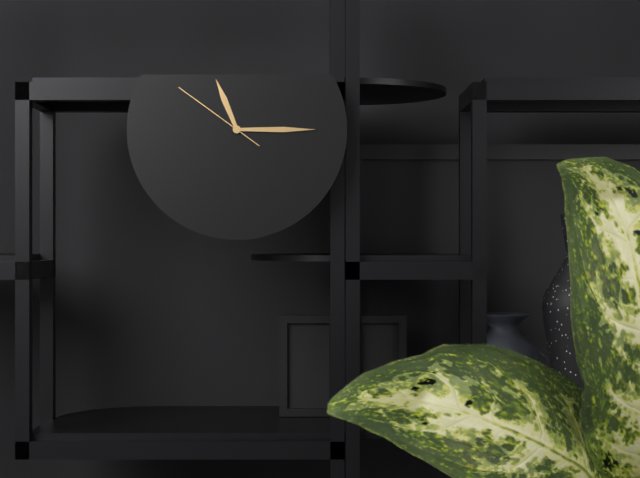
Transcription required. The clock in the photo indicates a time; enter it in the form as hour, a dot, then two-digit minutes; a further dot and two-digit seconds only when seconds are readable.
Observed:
11.15.51
